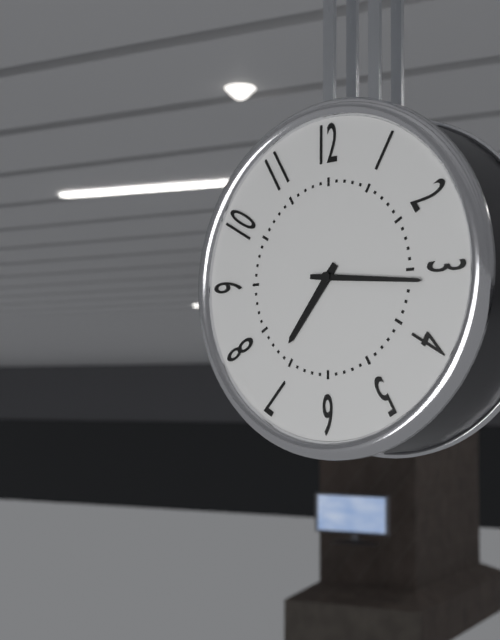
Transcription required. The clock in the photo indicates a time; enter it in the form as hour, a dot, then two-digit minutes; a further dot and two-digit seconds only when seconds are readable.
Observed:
7.16
